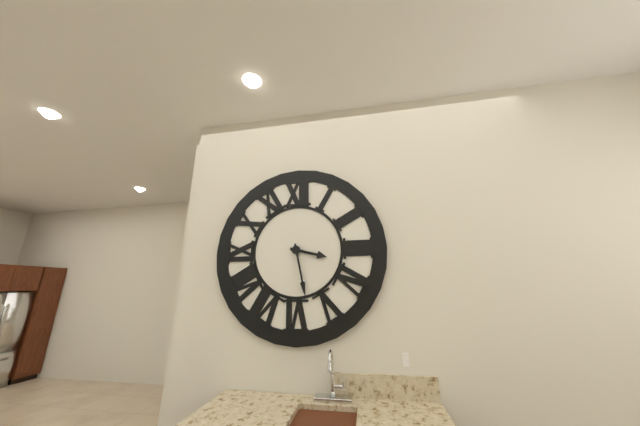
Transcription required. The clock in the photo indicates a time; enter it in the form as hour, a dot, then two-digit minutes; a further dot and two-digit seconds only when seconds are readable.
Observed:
3.28
